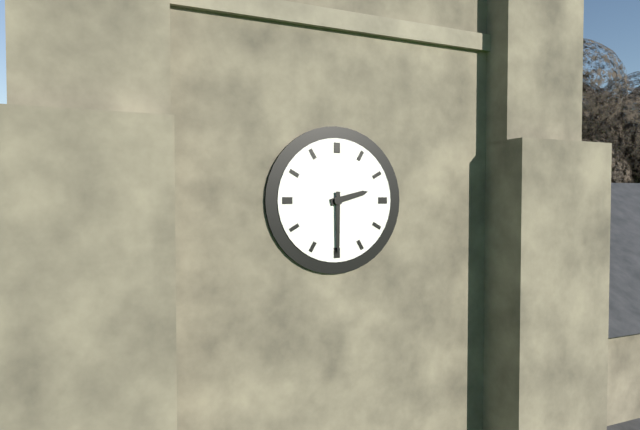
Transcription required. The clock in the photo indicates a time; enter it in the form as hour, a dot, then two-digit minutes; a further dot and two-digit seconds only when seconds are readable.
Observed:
2.30
